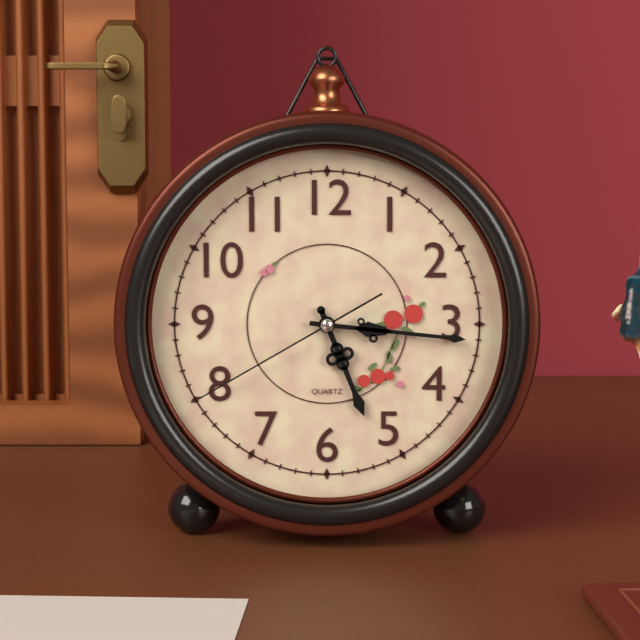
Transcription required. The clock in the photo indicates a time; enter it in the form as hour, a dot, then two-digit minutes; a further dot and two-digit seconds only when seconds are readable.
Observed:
5.16.40
